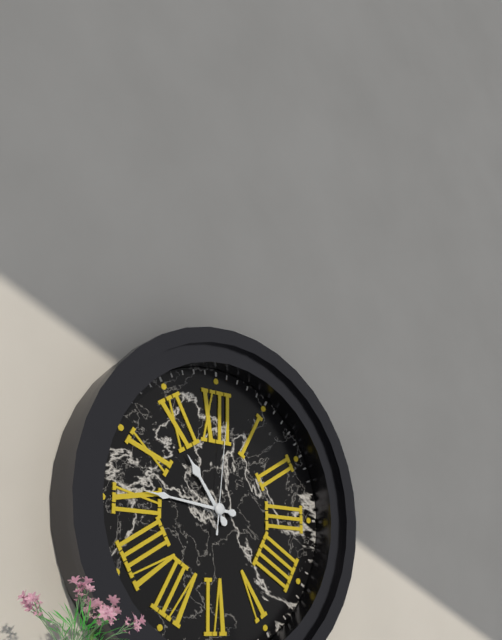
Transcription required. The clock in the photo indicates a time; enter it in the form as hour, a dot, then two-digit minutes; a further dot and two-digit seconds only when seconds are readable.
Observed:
10.46.01
